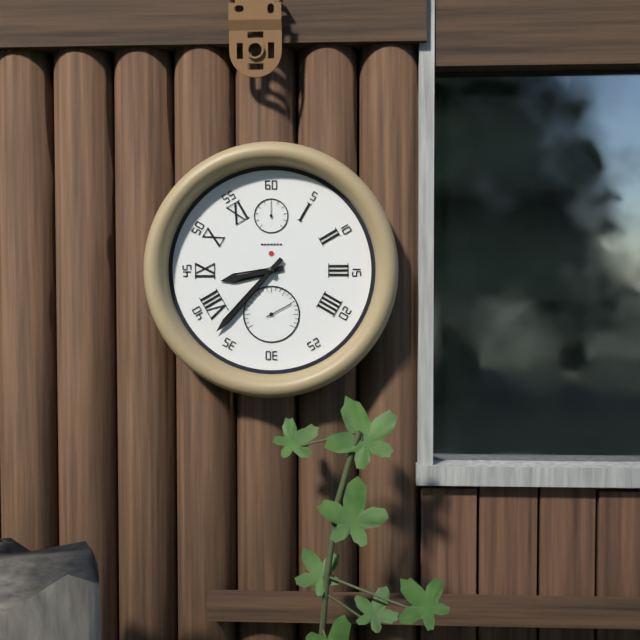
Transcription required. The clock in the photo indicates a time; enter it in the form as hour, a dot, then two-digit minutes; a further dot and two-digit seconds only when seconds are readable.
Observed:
8.37
